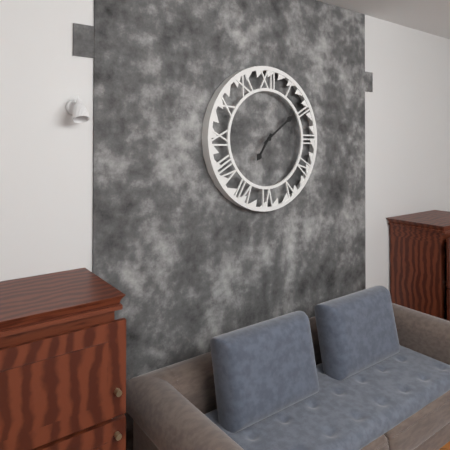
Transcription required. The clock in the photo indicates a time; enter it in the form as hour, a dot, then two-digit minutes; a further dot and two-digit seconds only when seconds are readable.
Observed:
7.09
